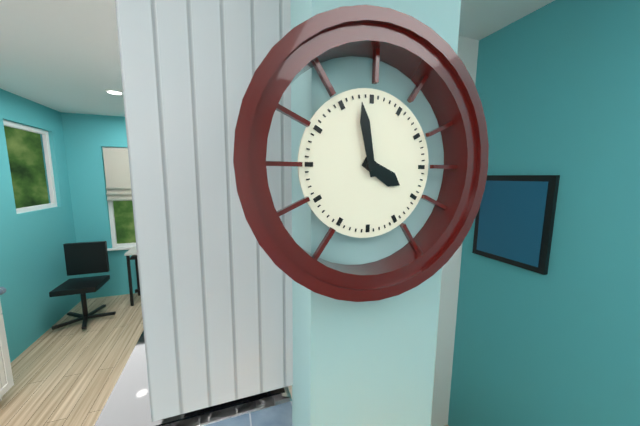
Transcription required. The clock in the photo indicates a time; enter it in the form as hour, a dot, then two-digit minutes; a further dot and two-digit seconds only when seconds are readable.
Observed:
3.58
